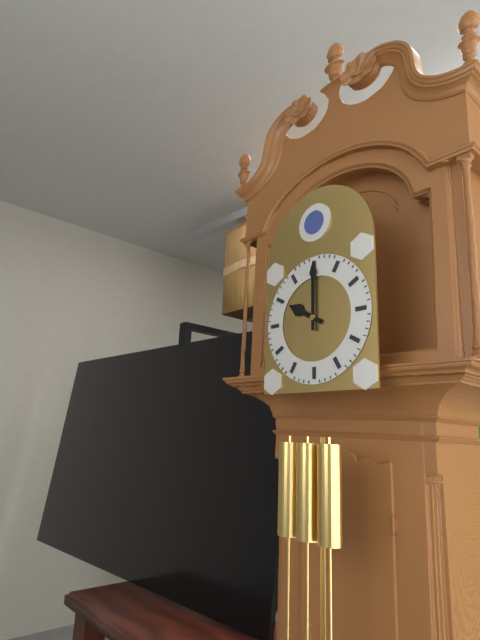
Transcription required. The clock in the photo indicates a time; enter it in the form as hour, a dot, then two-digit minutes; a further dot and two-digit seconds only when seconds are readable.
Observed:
10.00
